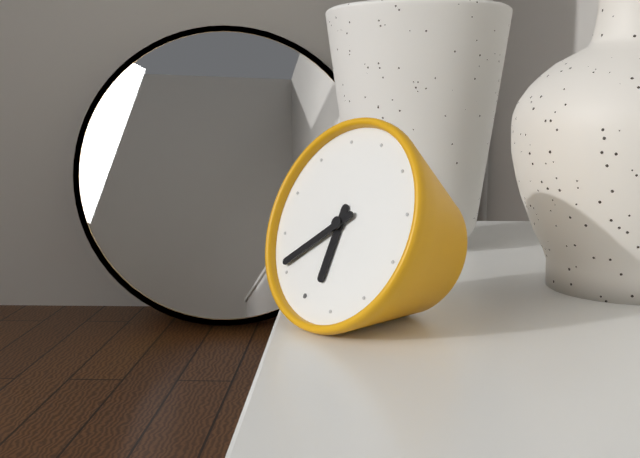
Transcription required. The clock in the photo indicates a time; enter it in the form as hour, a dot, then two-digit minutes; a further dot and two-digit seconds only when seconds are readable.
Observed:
5.36
